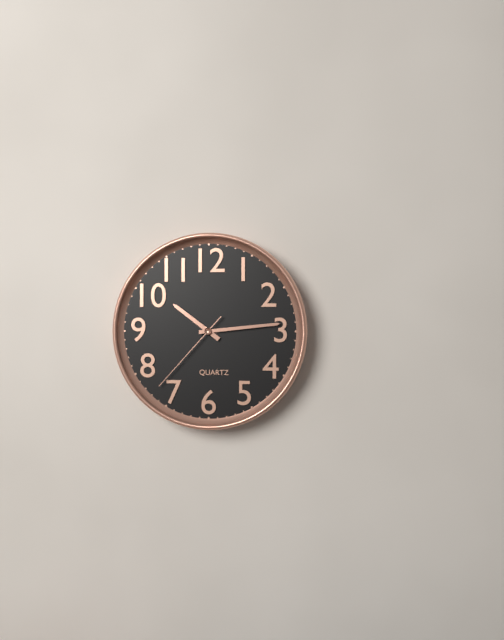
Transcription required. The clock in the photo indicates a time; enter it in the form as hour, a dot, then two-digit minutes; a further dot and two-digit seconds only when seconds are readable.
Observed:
10.14.37
